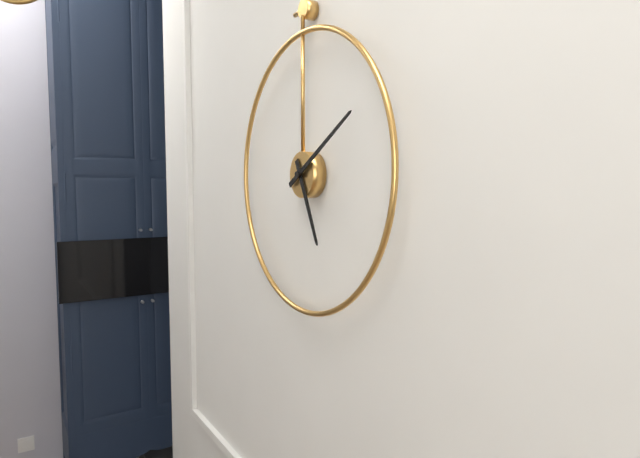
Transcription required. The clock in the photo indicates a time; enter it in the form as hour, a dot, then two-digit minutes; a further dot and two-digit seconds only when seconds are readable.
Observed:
5.10
